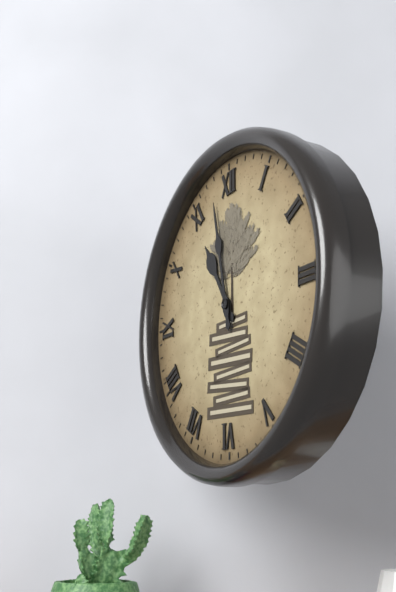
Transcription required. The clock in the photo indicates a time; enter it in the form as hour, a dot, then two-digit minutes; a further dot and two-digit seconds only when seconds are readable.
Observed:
10.58
